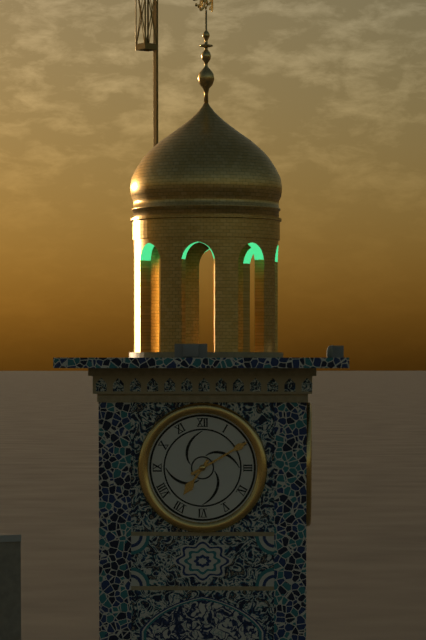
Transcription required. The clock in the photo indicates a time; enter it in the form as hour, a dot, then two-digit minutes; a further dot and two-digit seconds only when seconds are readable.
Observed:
7.10
